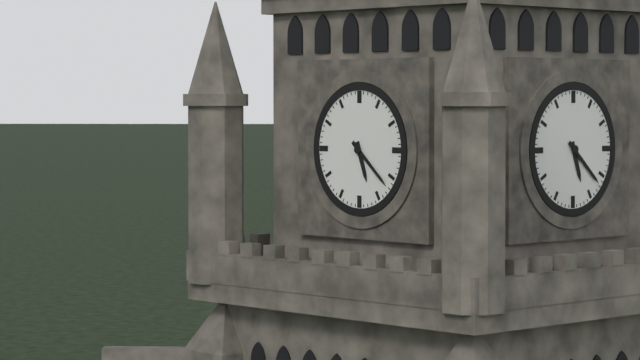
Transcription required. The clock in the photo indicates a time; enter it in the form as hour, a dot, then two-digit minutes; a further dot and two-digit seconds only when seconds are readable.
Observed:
5.22
